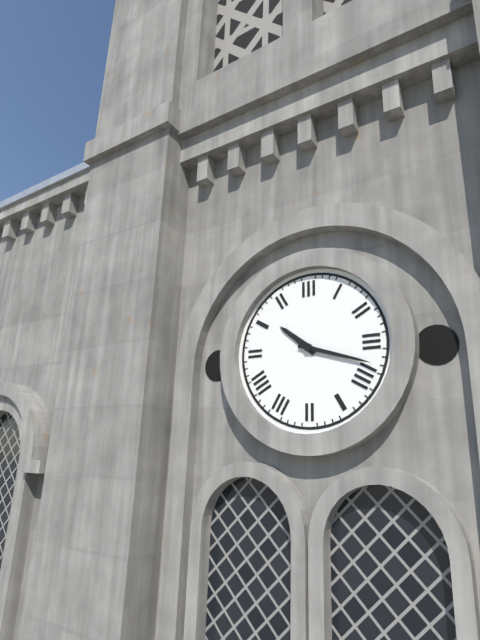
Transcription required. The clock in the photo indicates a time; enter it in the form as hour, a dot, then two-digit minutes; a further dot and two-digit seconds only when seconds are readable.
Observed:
10.18
